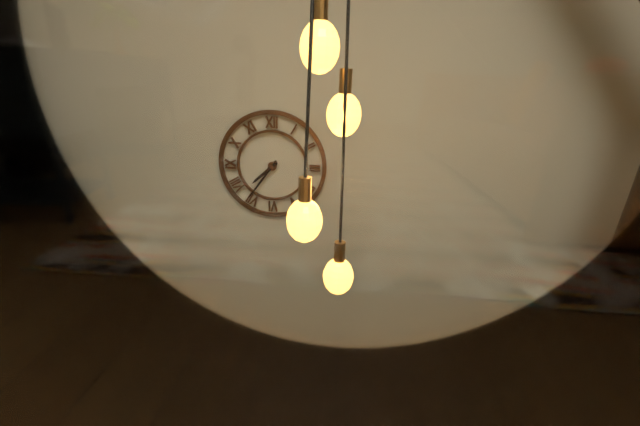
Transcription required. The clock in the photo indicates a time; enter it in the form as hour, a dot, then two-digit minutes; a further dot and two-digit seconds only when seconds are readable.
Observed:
7.36
